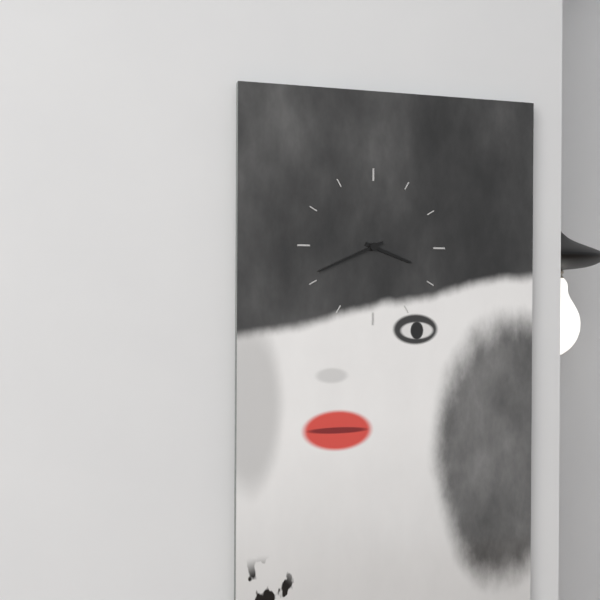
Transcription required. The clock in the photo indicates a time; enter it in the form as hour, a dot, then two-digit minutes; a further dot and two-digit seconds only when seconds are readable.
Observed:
3.41
